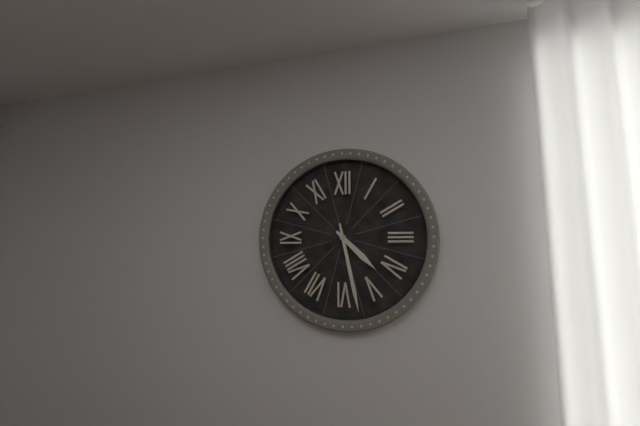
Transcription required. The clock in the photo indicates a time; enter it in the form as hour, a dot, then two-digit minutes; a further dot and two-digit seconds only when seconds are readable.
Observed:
4.28
